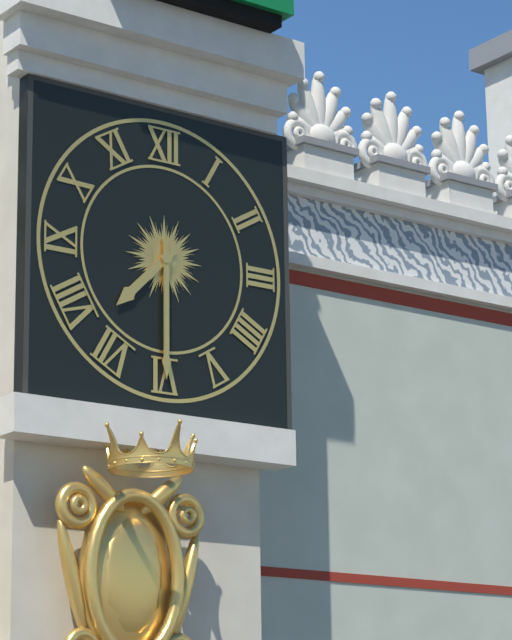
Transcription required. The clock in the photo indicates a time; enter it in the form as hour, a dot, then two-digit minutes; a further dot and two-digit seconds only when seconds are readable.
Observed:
7.30
